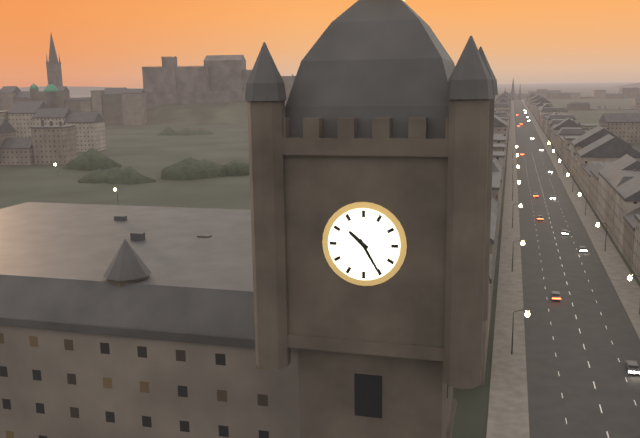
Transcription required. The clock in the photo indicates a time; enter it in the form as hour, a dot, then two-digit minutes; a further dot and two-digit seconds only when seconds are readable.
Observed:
10.25
